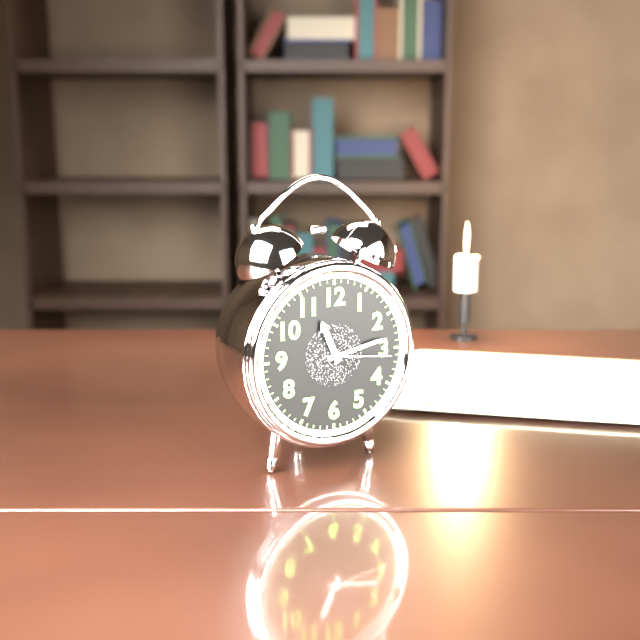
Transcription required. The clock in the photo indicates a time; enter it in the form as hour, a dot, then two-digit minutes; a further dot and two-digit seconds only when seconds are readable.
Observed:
11.13.16
